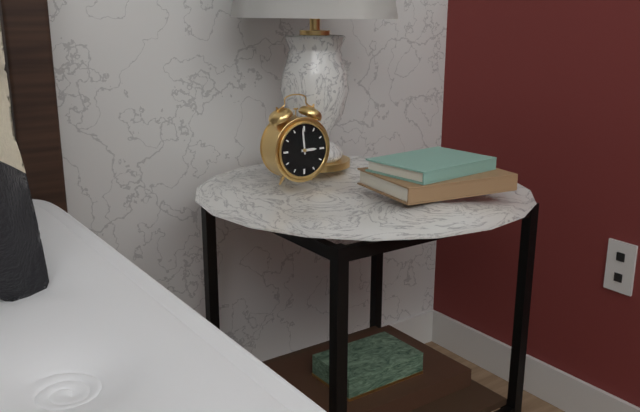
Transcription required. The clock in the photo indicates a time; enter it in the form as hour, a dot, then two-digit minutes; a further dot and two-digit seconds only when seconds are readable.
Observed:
2.59
